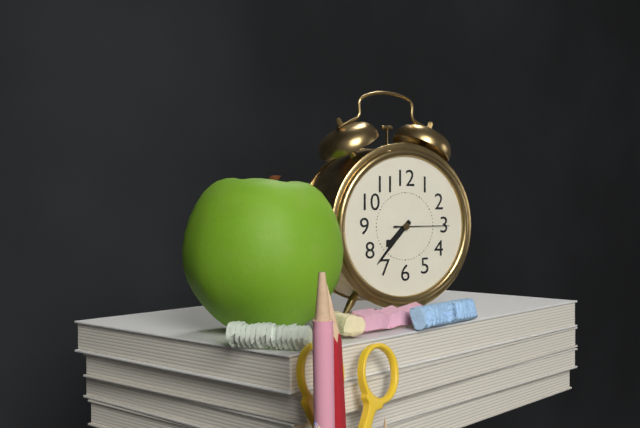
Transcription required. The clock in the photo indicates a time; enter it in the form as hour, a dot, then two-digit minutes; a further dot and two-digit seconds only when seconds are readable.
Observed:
7.37.15
